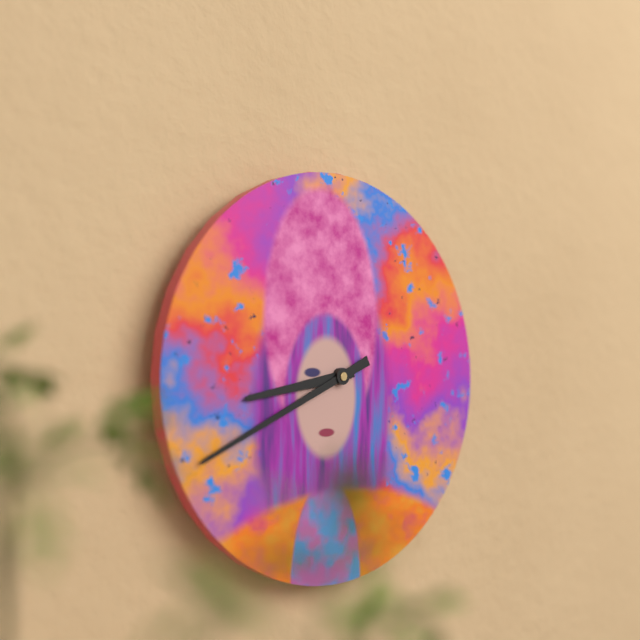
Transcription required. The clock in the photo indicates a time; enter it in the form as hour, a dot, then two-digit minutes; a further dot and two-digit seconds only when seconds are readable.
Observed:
8.41
